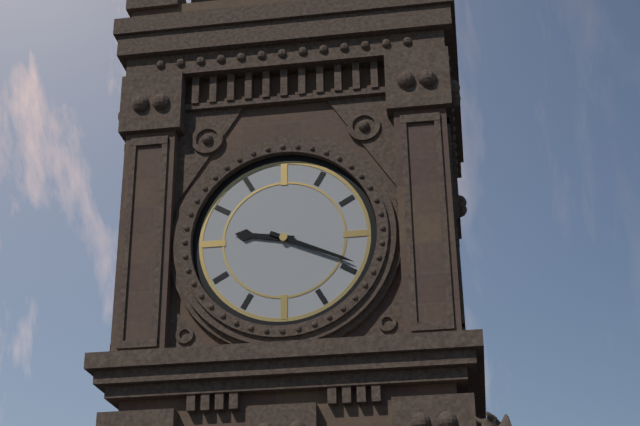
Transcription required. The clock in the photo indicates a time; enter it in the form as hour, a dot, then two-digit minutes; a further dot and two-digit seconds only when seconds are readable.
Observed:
9.19
